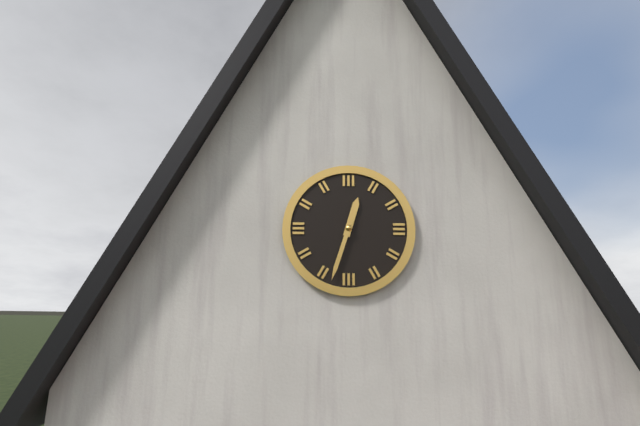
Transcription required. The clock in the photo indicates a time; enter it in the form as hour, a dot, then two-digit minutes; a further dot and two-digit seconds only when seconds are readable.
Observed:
12.33
